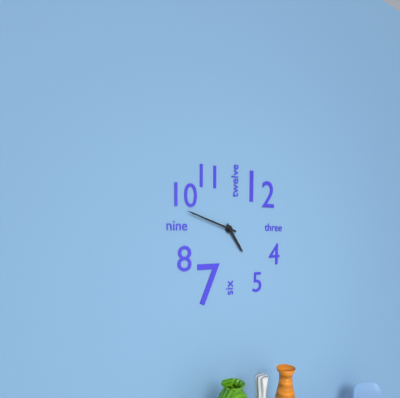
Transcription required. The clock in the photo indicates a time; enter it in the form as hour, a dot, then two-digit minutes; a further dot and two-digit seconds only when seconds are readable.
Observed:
4.48
